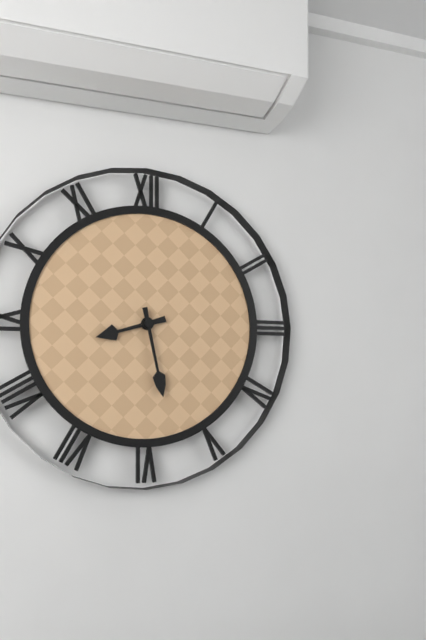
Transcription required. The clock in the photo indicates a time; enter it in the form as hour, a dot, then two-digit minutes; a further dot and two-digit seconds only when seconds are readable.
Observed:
8.28
